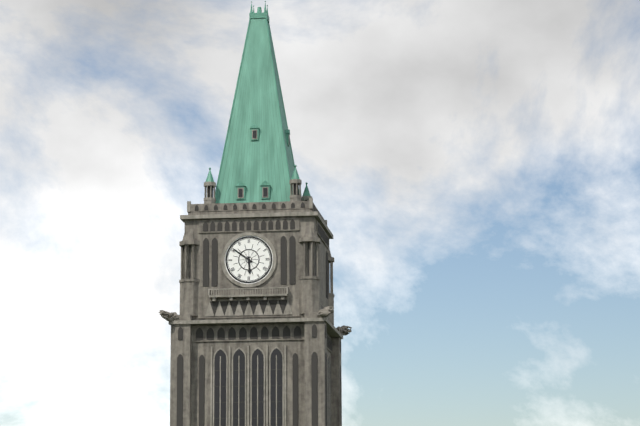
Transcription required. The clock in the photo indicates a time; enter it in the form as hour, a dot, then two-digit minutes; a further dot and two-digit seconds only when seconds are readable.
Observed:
5.51
